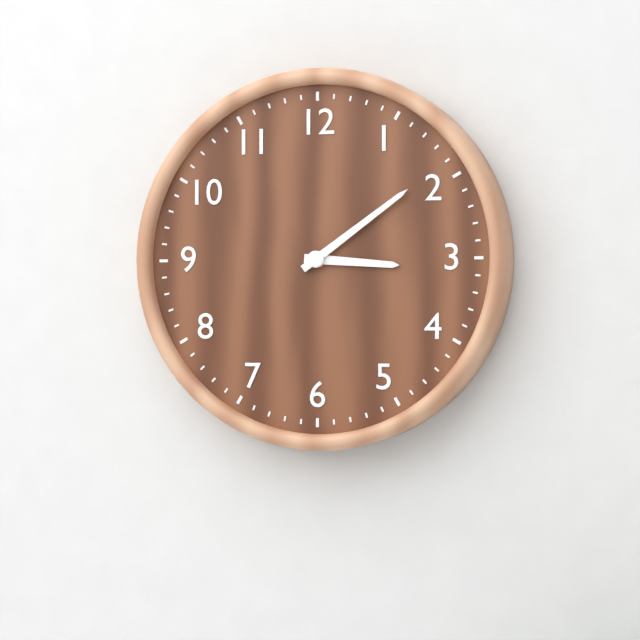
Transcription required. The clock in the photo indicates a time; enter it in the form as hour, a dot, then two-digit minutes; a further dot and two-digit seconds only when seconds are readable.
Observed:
3.09
